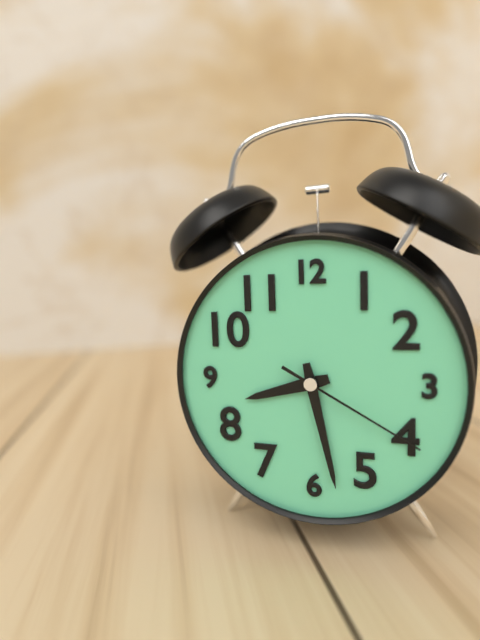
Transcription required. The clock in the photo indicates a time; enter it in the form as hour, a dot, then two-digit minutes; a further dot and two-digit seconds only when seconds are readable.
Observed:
8.28.20
